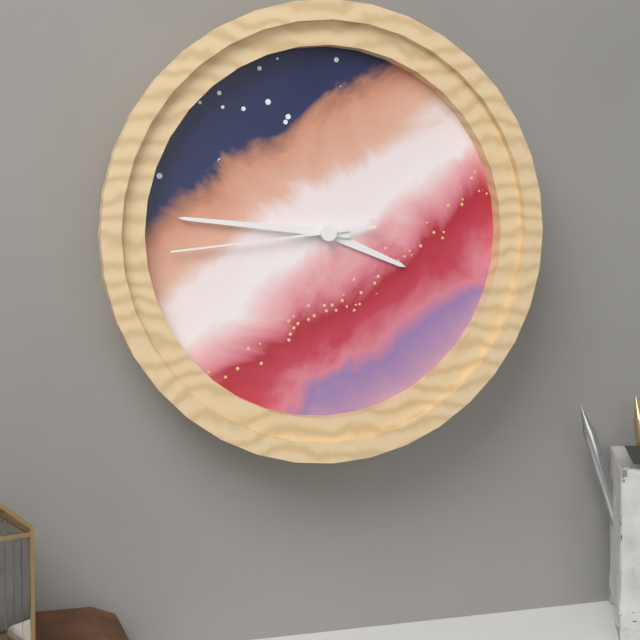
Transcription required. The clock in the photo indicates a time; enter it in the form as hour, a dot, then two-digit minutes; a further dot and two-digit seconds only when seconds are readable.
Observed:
3.46.44
